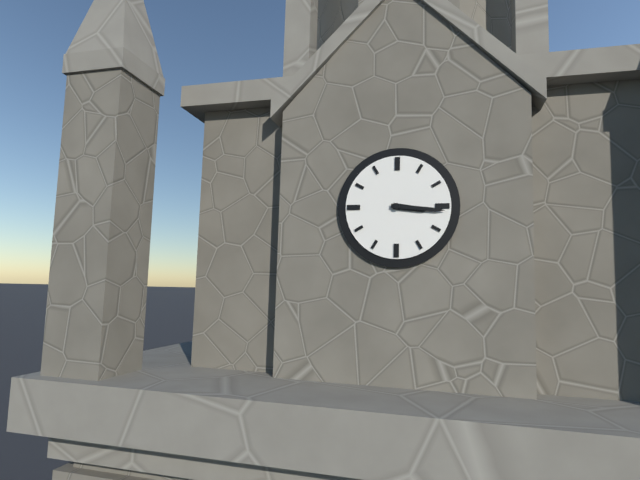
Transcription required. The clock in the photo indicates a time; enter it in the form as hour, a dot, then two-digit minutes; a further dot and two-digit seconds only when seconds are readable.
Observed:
3.16
